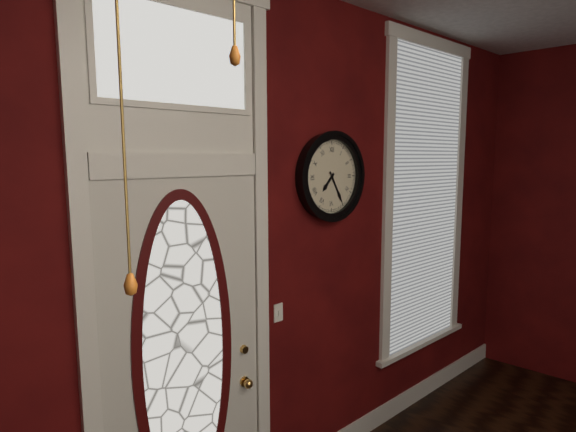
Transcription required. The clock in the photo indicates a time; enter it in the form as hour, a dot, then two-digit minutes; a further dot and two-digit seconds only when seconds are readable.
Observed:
7.25
